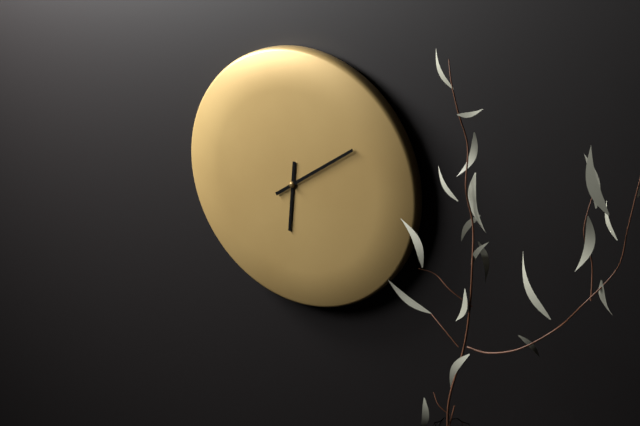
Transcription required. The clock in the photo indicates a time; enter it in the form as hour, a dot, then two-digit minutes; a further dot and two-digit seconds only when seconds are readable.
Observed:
6.09
